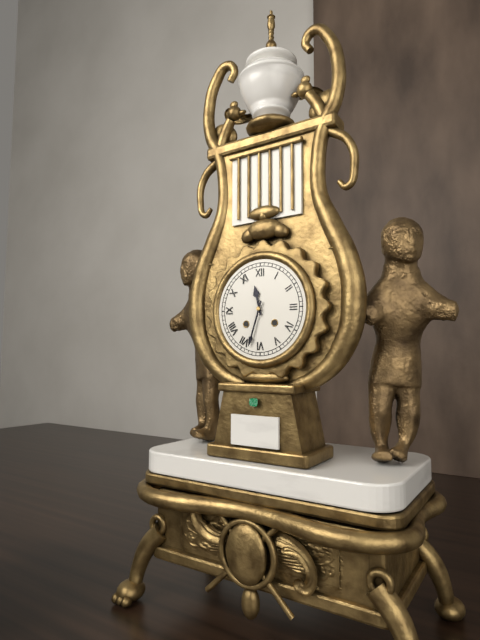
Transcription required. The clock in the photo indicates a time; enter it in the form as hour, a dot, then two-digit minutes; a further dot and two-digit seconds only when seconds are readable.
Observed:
11.33
